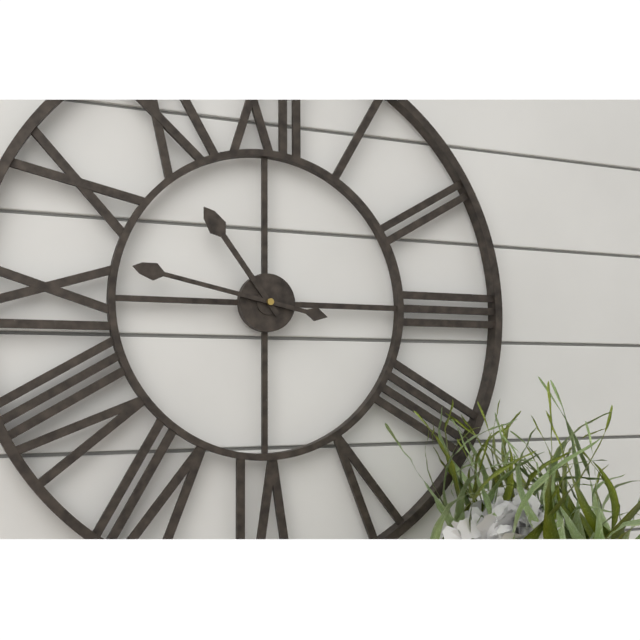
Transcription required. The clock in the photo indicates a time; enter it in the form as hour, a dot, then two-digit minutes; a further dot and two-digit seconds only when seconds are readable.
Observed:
10.47
